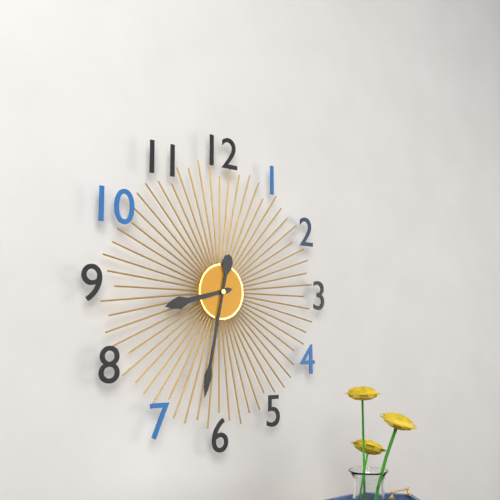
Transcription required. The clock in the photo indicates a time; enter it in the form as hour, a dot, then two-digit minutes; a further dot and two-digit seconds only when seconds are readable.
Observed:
8.32
